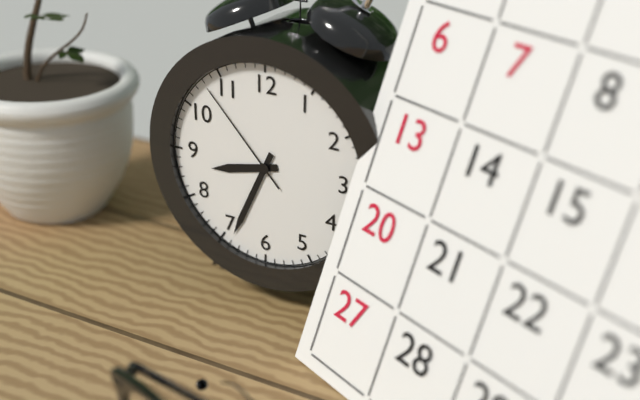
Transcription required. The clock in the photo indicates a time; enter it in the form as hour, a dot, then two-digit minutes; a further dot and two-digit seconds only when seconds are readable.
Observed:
8.34.53
